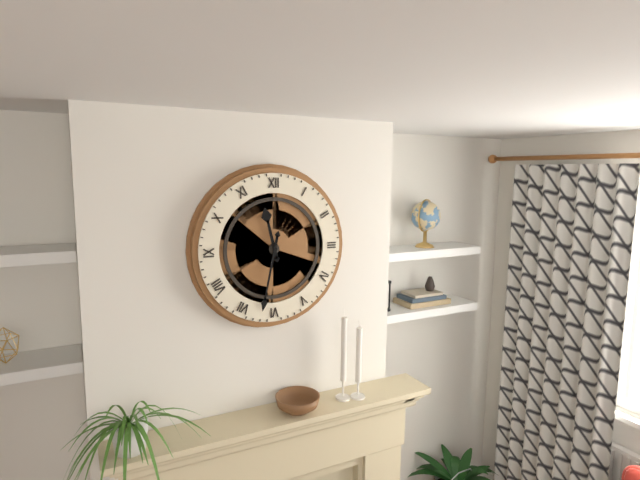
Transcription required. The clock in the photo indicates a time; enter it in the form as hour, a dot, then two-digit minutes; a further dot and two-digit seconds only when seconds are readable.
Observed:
11.32
